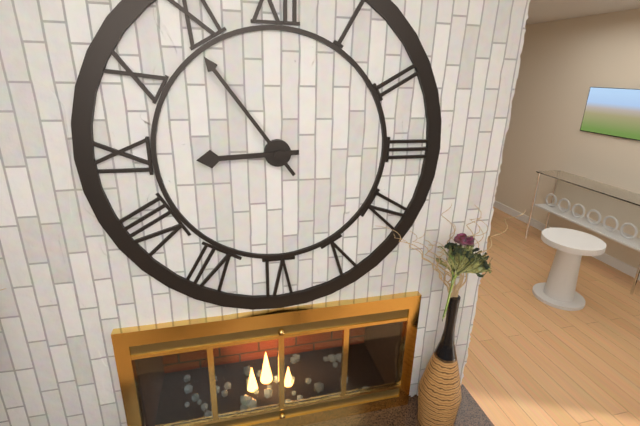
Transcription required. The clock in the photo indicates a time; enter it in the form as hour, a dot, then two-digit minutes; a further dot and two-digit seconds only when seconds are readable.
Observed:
8.54
